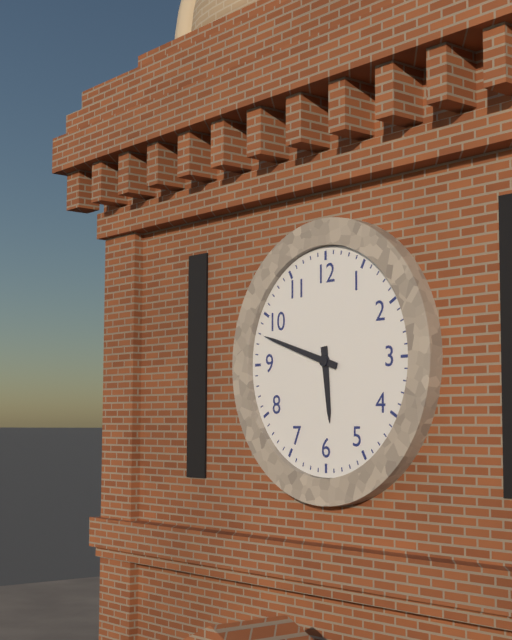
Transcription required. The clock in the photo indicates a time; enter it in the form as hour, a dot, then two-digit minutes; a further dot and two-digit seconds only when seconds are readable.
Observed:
5.48
